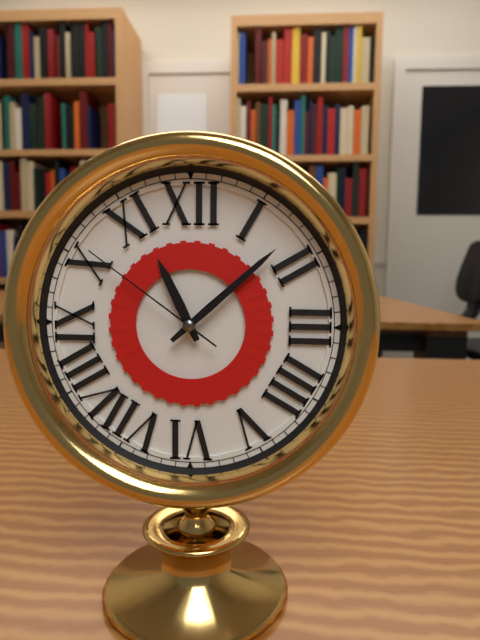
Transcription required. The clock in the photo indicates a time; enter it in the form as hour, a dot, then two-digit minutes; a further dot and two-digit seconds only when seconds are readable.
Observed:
11.08.51
